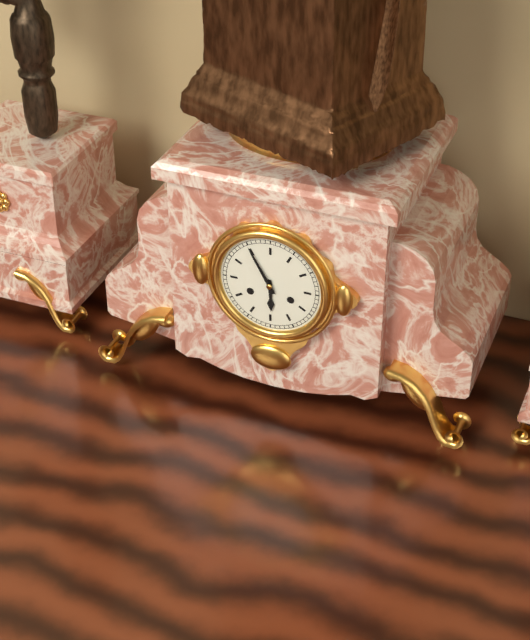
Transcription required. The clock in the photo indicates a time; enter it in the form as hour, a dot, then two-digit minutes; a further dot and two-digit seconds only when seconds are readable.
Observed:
5.55
